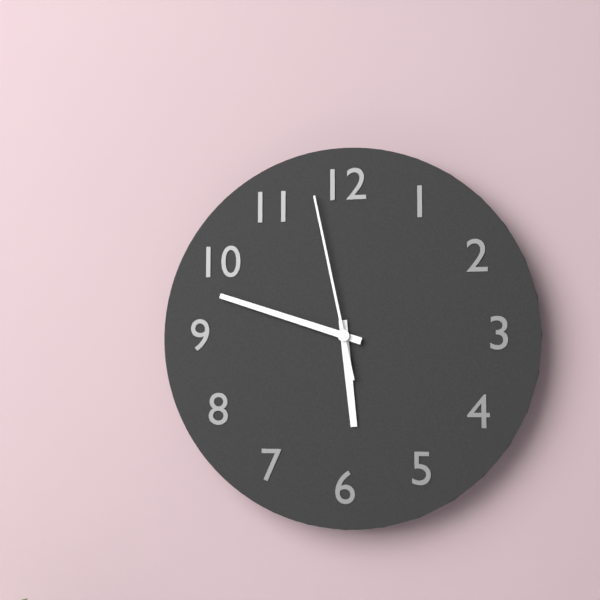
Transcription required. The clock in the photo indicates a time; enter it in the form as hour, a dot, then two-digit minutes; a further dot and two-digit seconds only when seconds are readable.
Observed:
5.48.58
